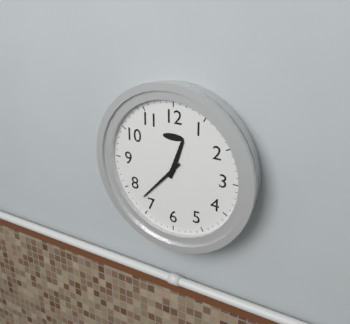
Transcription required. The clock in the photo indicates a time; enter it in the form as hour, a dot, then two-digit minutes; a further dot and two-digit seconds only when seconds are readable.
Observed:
12.37
